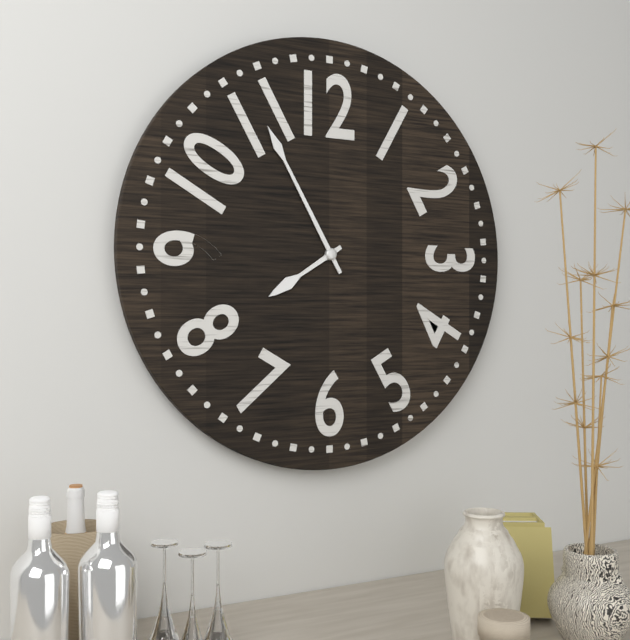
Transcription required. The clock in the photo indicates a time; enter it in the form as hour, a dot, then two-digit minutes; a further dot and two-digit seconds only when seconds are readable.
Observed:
7.55
